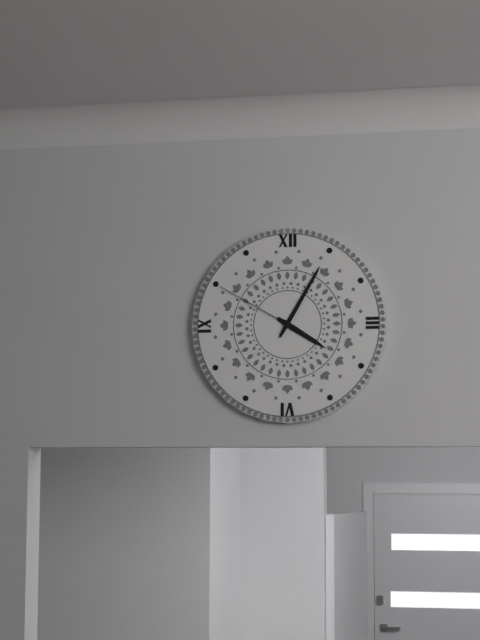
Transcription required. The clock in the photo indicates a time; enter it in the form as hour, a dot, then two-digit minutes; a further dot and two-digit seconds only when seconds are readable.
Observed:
4.05.50
